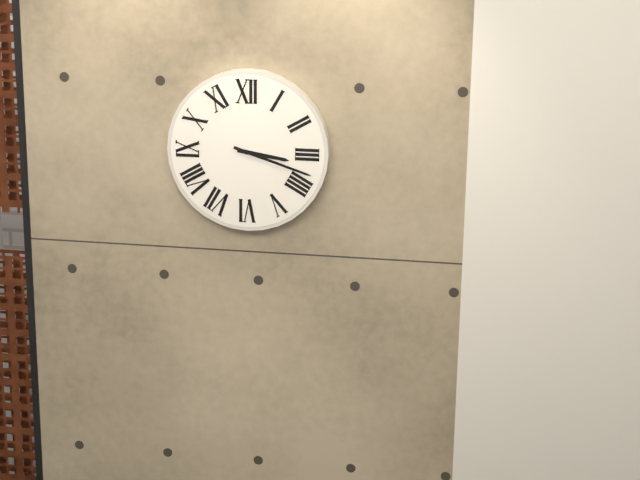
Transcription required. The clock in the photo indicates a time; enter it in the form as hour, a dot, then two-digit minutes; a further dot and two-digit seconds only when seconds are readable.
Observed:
3.18
